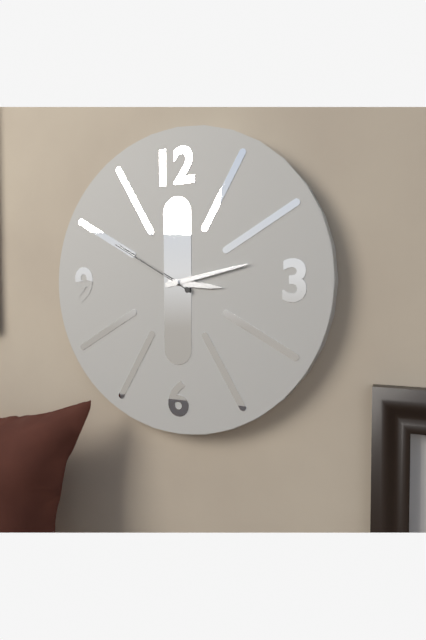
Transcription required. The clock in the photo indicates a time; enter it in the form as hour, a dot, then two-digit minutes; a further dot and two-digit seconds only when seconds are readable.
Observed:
3.13.50
